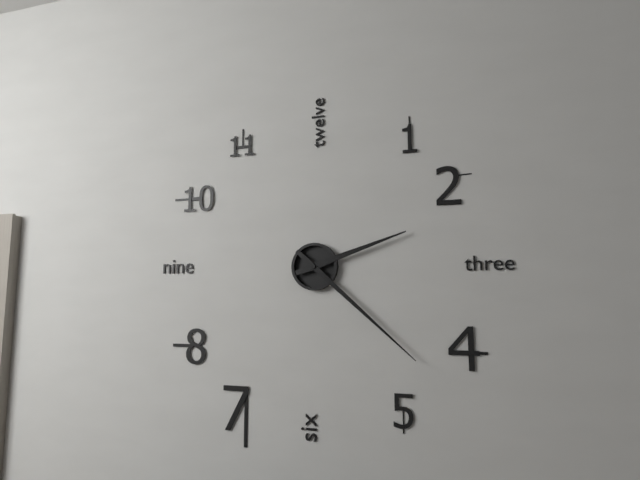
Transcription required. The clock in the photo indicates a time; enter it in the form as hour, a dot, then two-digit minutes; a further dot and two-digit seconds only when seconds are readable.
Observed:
2.22
